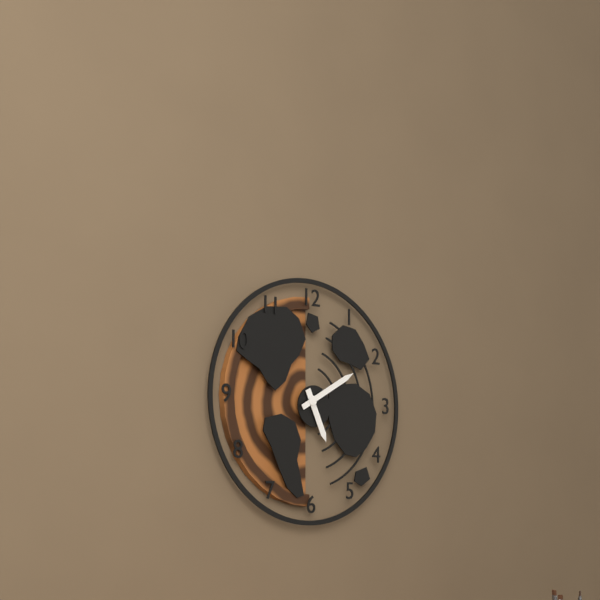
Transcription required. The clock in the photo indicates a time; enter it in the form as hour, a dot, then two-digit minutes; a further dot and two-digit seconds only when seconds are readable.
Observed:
5.10
